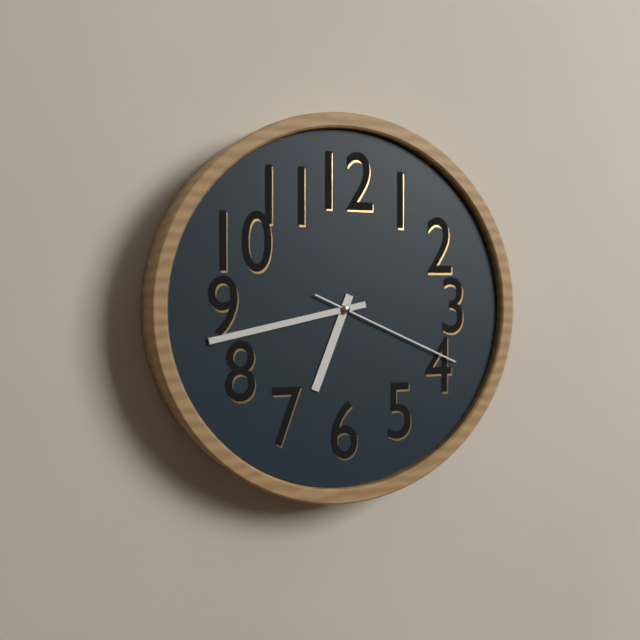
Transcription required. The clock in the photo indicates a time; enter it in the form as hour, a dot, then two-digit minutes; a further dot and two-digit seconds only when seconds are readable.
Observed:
6.43.19
